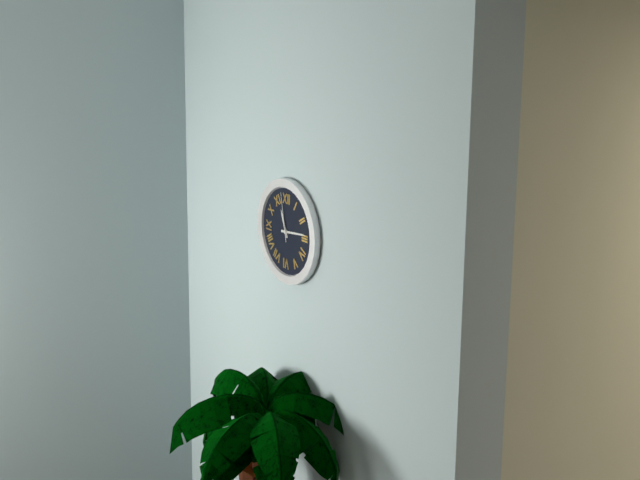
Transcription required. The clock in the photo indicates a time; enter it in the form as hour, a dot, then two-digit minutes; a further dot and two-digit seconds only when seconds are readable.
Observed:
11.14
